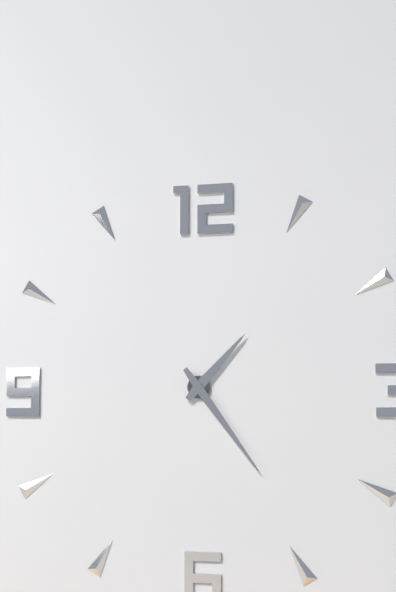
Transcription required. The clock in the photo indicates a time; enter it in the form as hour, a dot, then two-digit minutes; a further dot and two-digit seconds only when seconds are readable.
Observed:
1.24
